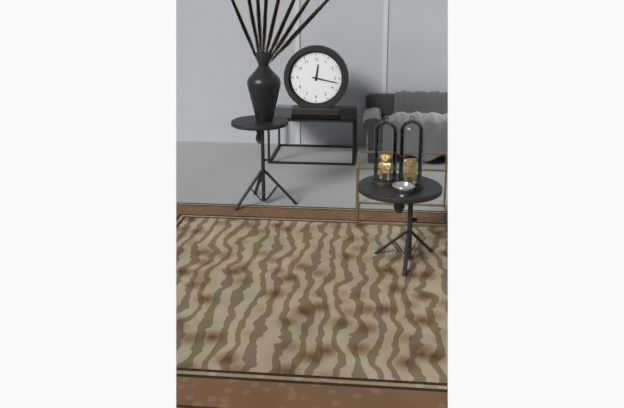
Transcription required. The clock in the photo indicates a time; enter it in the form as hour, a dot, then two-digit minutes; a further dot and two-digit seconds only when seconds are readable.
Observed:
12.17
